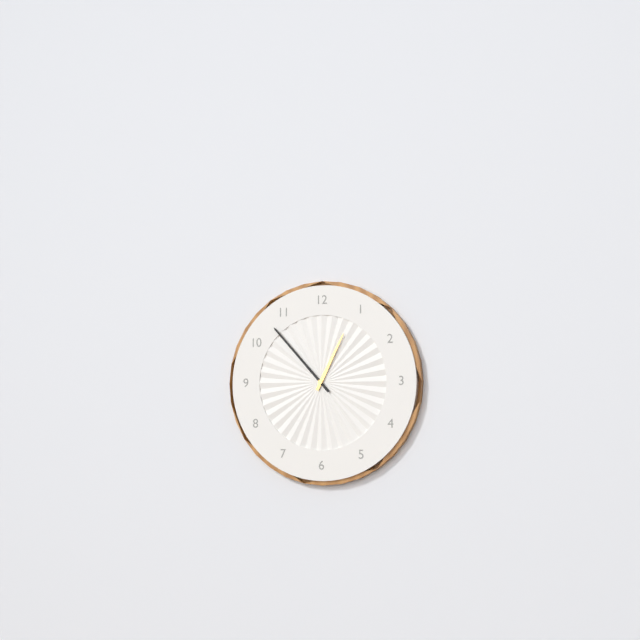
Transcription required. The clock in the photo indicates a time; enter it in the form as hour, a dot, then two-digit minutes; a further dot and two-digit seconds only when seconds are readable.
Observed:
12.53
